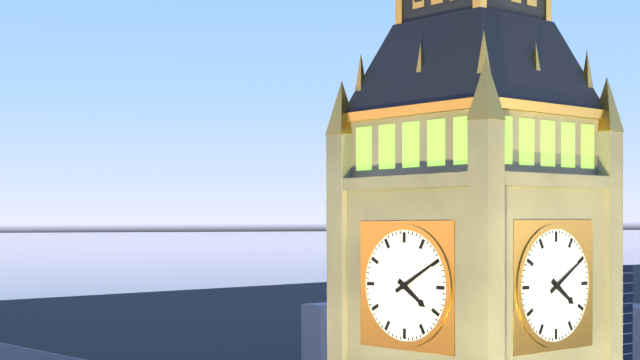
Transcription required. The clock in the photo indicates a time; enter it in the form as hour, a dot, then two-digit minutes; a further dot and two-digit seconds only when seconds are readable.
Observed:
4.10
